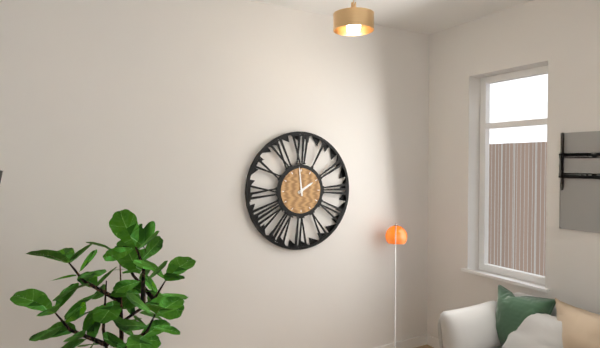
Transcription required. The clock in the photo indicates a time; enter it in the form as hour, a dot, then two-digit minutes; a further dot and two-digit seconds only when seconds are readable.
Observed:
1.59
